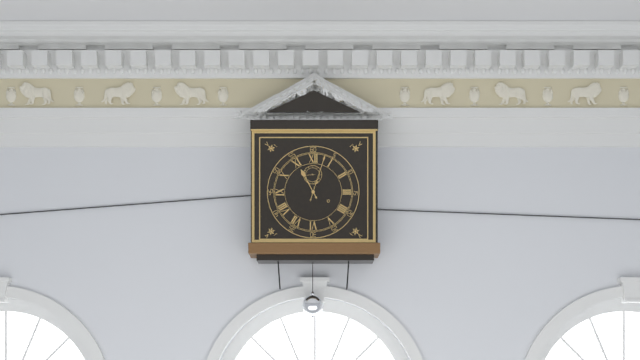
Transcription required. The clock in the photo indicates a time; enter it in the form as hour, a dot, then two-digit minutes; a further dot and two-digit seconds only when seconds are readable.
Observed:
11.03
